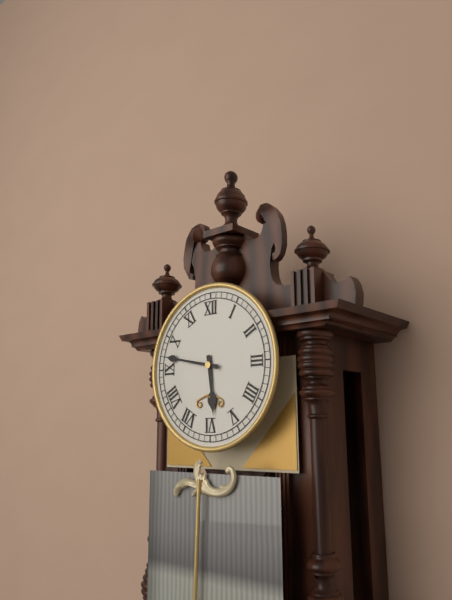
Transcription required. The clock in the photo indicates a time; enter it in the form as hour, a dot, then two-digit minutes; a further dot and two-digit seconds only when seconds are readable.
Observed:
5.47
